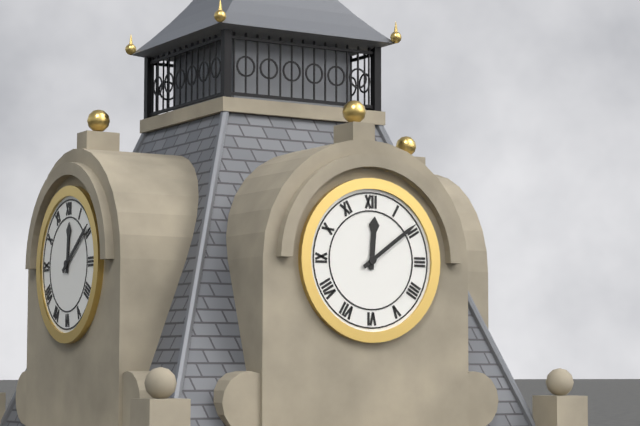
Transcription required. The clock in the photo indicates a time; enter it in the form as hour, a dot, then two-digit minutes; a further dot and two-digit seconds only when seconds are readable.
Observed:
12.09
